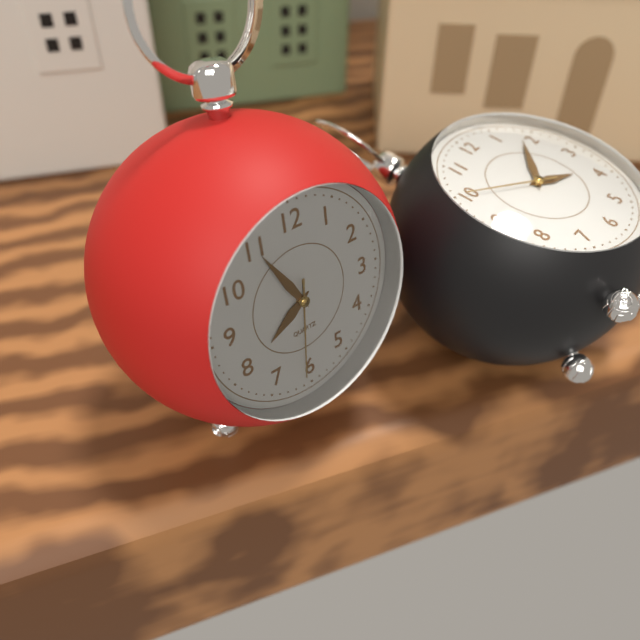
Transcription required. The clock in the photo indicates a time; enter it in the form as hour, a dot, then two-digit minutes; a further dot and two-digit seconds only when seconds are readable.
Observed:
7.55.31
